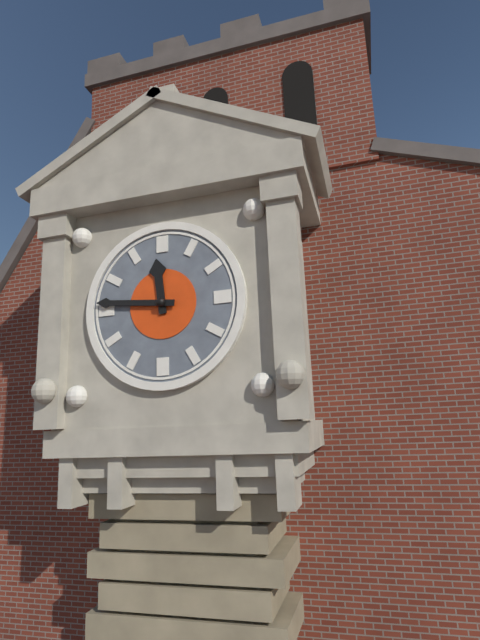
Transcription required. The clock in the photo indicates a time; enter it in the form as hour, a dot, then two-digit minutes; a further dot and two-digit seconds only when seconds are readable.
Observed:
11.46
